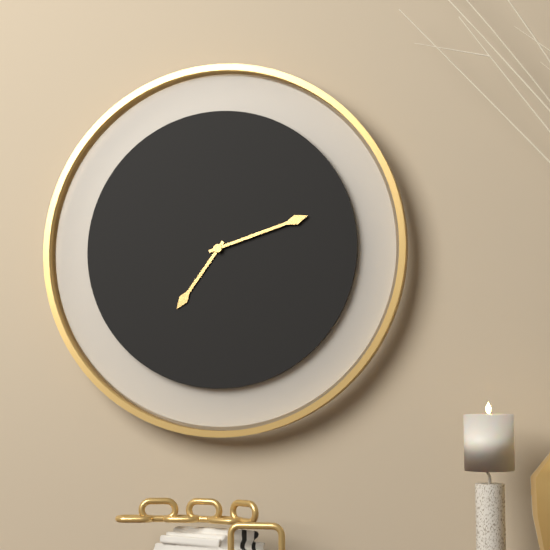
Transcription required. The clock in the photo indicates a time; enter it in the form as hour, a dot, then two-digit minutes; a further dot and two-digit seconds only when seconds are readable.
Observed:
7.12
